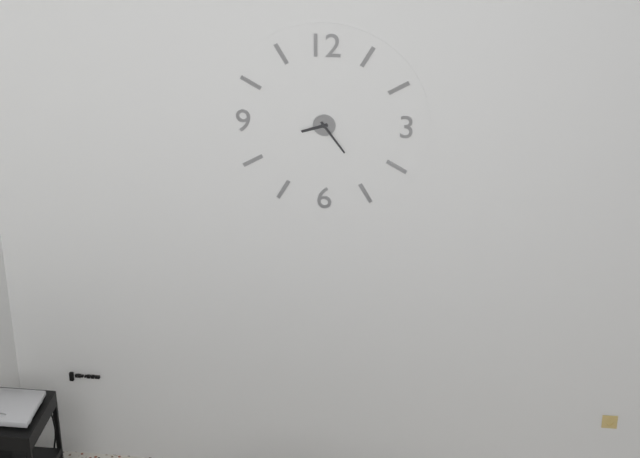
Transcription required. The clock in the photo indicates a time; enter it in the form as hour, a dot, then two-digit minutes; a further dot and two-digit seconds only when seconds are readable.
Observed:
8.24
